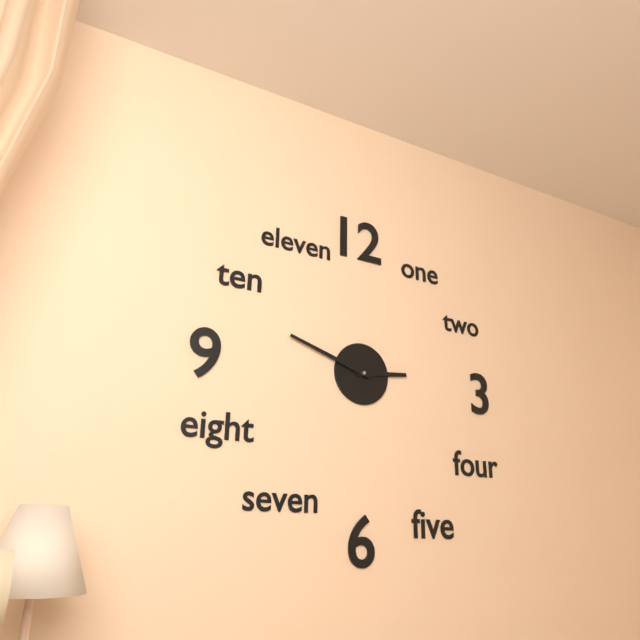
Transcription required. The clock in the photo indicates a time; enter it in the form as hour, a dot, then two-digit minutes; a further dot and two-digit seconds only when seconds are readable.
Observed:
2.48
